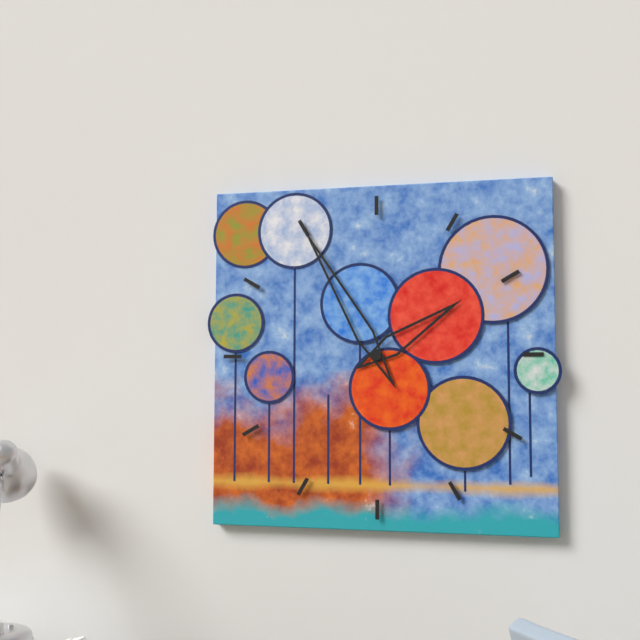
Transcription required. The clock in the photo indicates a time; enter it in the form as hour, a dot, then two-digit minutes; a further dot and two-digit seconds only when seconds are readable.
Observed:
1.55
